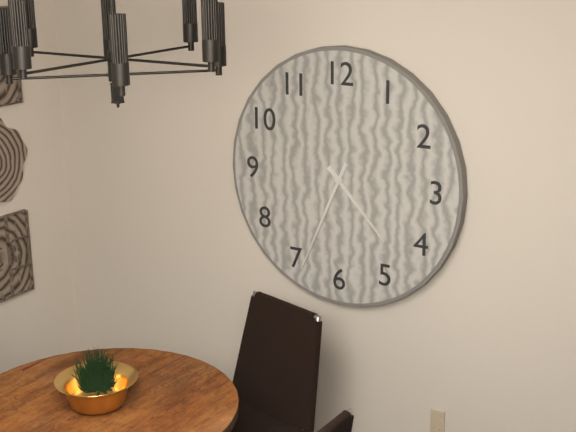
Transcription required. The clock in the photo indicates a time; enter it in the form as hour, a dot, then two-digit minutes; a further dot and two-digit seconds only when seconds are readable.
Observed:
4.34
